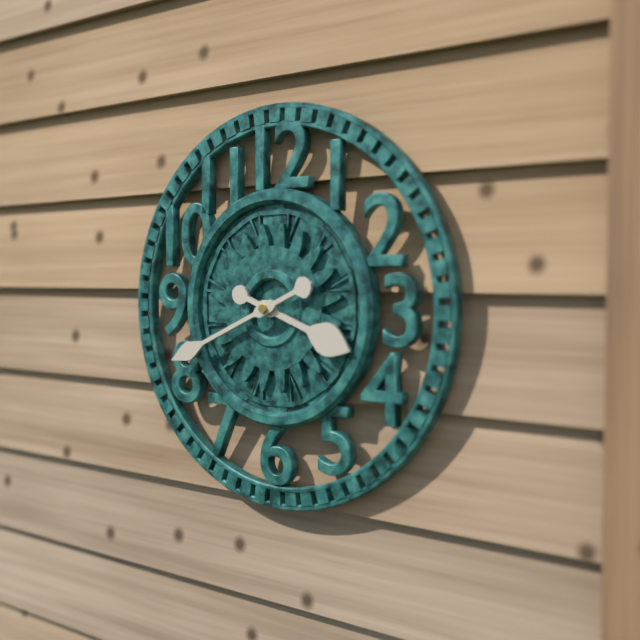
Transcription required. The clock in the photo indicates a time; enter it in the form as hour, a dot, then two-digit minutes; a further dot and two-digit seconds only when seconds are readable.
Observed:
3.41
